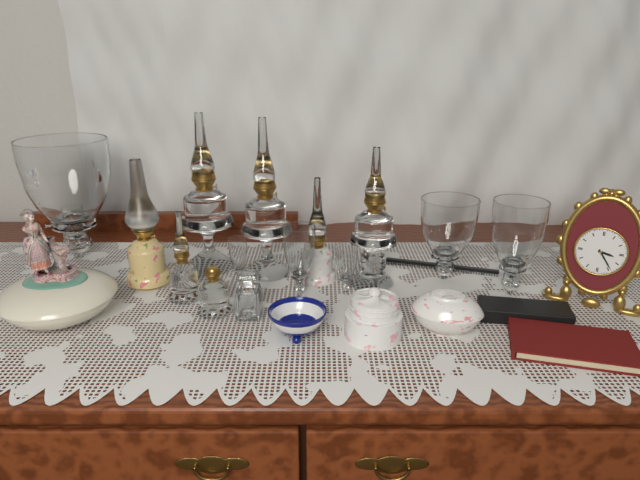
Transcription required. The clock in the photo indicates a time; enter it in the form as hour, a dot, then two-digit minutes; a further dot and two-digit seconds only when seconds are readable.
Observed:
3.24
